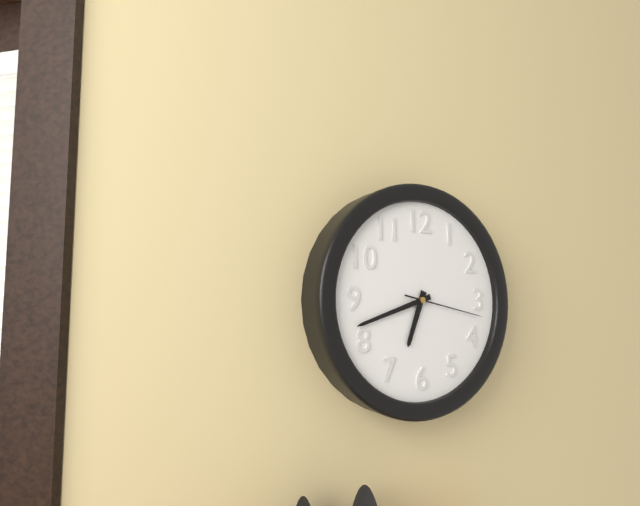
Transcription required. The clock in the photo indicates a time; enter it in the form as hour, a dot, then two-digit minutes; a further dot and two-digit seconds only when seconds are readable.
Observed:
6.42.17
